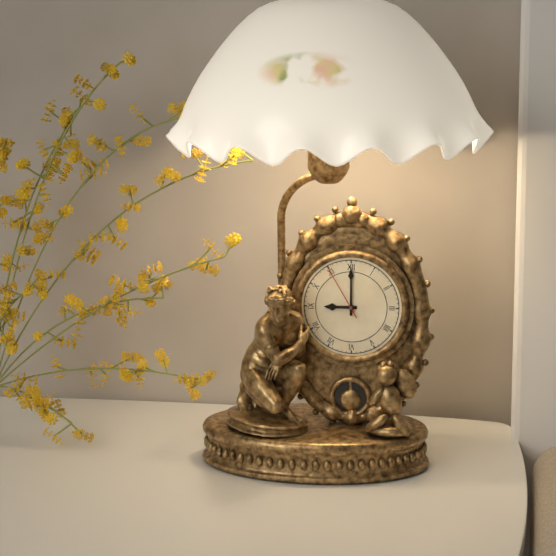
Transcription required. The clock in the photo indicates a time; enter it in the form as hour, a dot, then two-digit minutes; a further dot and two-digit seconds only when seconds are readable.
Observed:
9.00.55
